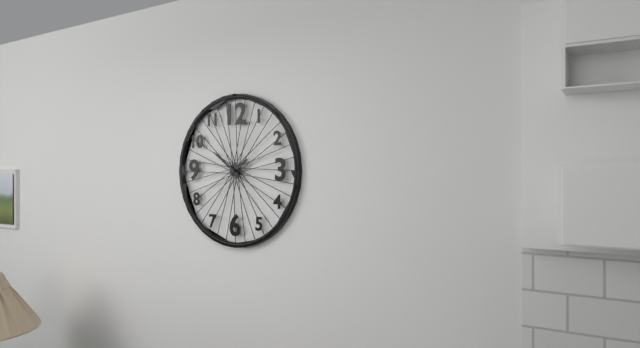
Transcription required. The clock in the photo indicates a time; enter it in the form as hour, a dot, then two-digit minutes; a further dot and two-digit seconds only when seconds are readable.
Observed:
1.51
